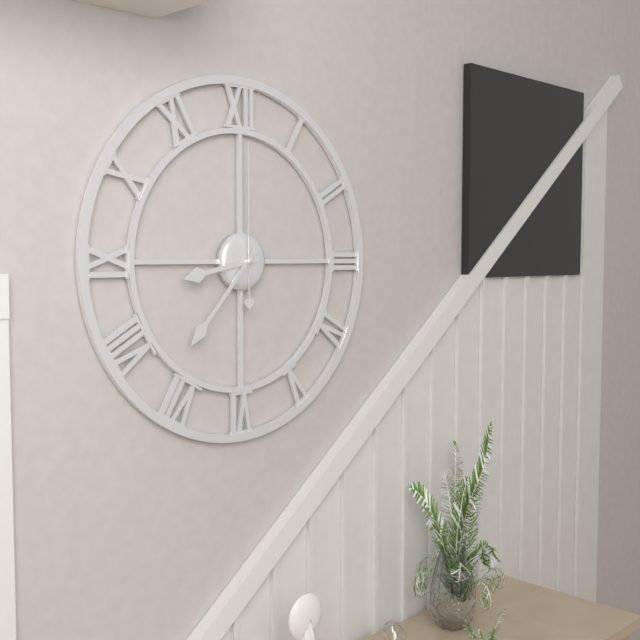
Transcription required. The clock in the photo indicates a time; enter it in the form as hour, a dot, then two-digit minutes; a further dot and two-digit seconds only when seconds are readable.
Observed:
8.37.00
